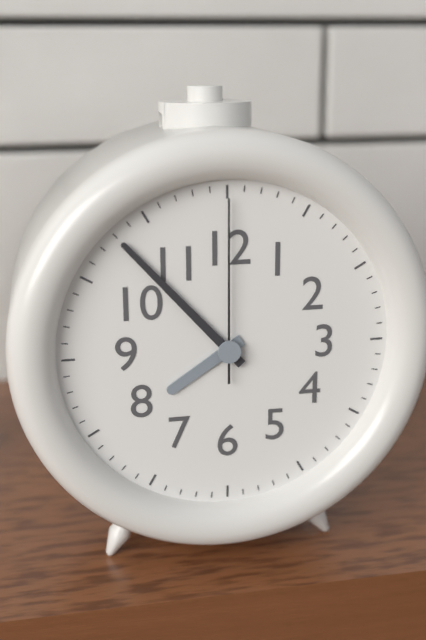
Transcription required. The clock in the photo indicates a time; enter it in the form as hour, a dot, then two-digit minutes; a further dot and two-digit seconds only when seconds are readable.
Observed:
7.53.00
